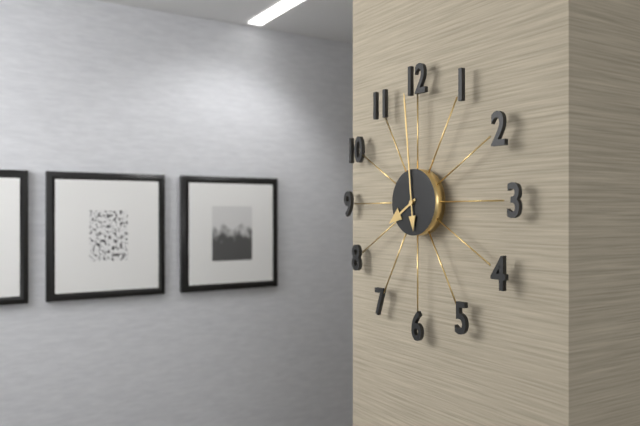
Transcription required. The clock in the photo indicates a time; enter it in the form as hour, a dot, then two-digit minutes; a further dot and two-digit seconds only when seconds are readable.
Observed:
7.59
